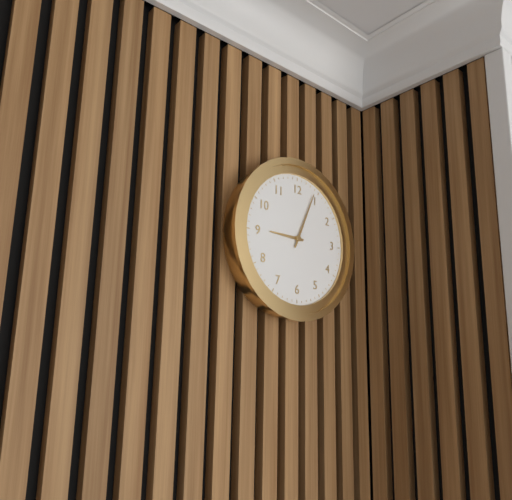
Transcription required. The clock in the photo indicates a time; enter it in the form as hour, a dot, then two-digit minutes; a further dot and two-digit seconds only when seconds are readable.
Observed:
9.04
